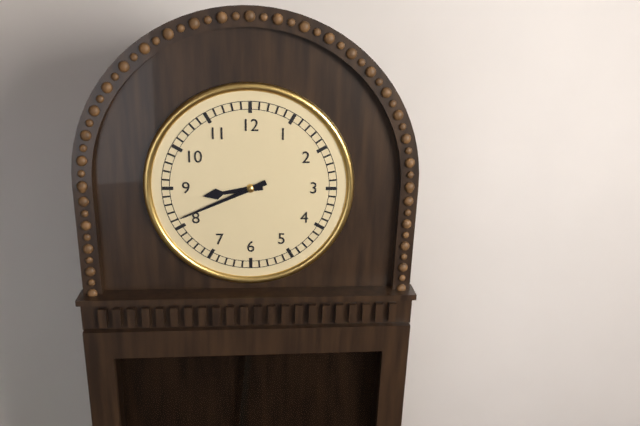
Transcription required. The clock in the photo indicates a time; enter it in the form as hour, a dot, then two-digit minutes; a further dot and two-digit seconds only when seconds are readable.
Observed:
8.41
